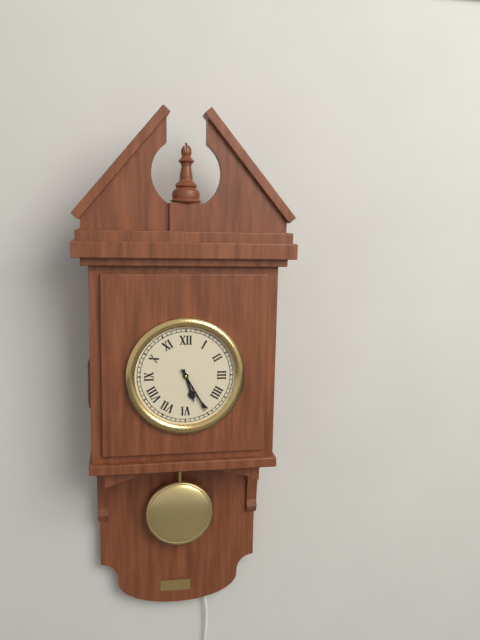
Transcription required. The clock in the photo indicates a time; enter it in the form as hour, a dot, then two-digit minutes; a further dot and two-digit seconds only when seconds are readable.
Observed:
5.25
